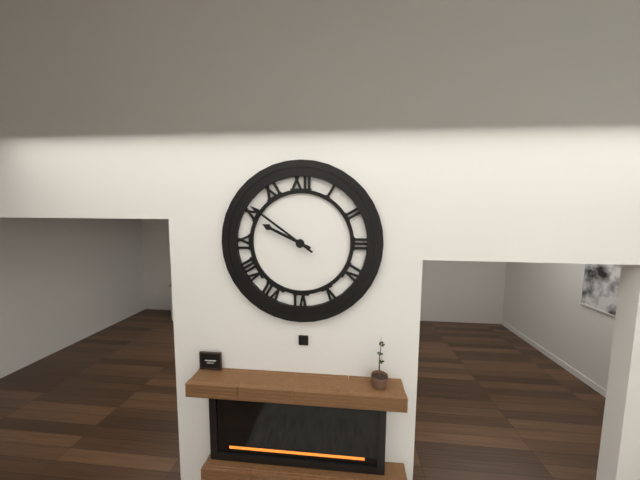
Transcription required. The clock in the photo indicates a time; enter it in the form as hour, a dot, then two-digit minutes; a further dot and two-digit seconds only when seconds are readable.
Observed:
9.51
